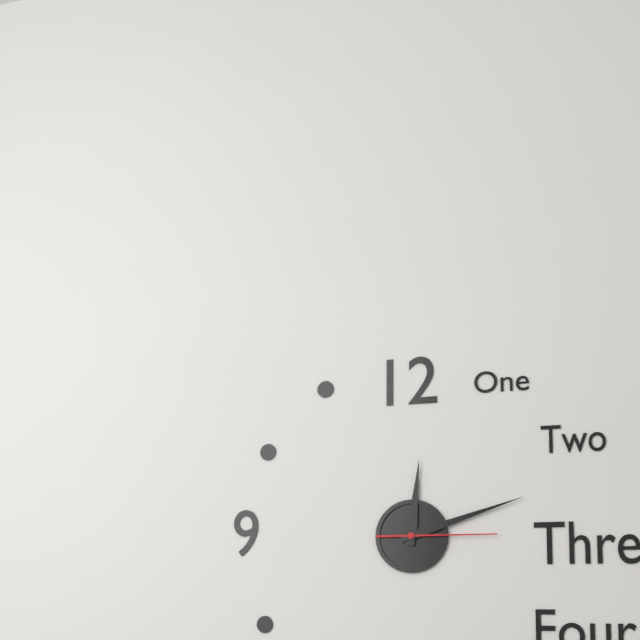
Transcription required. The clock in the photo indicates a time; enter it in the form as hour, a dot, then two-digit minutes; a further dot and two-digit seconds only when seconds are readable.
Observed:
12.12.15
